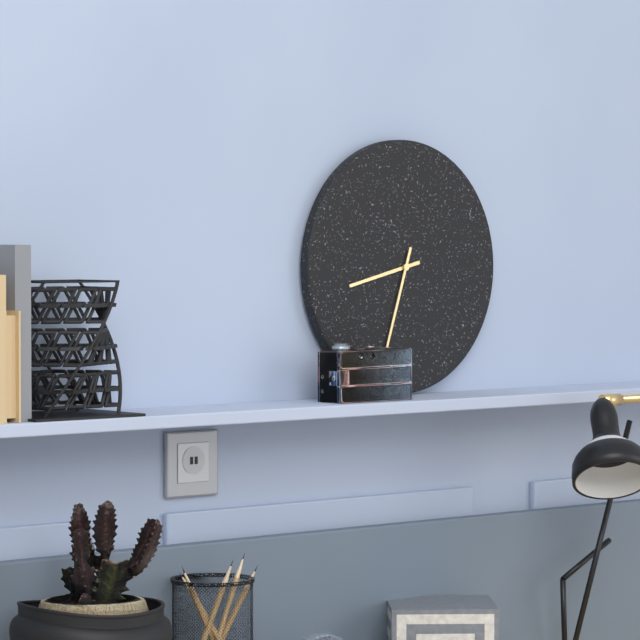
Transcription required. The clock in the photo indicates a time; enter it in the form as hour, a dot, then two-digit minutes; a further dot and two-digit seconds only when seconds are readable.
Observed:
8.33
